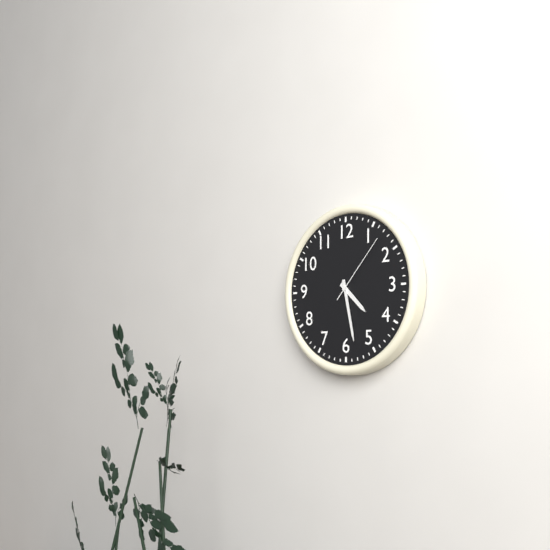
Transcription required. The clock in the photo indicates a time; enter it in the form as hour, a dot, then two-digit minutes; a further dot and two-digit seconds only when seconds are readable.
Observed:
4.28.07
